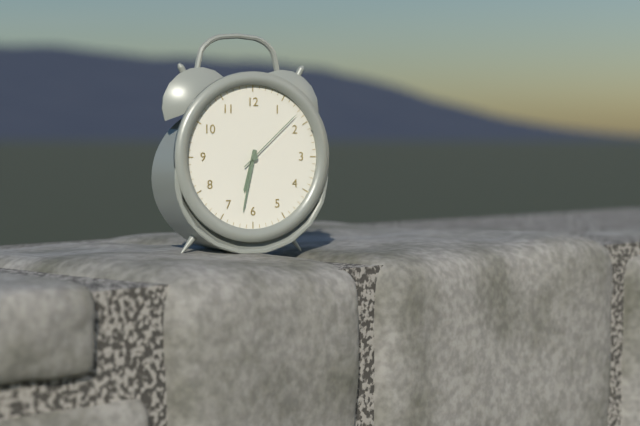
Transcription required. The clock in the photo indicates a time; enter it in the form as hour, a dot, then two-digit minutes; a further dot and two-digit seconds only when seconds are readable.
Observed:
6.32.08
